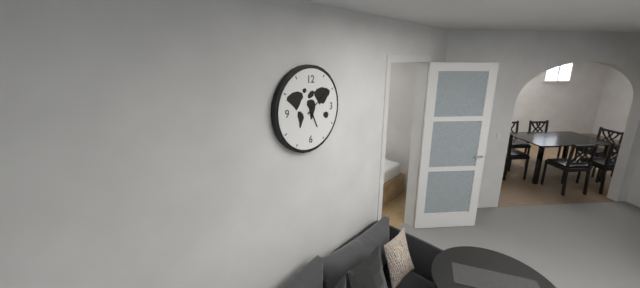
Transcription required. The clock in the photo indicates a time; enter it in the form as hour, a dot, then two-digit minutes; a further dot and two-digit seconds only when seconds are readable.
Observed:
5.09
